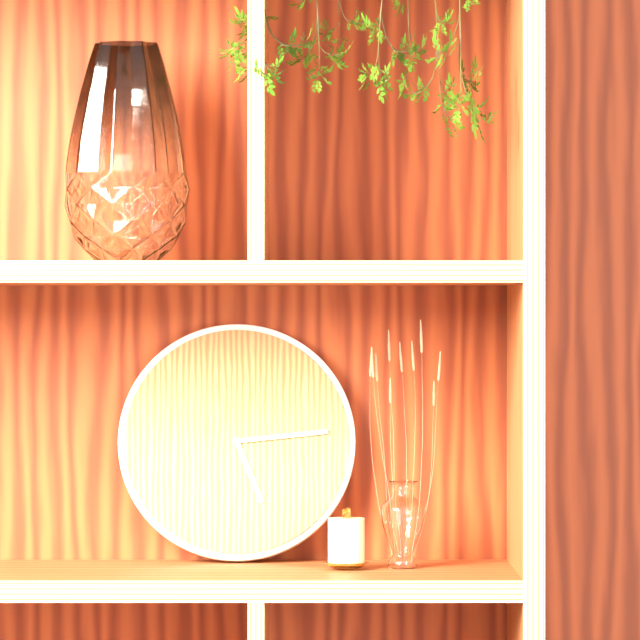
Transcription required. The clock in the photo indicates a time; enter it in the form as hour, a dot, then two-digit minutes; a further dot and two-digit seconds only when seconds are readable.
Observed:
5.14
